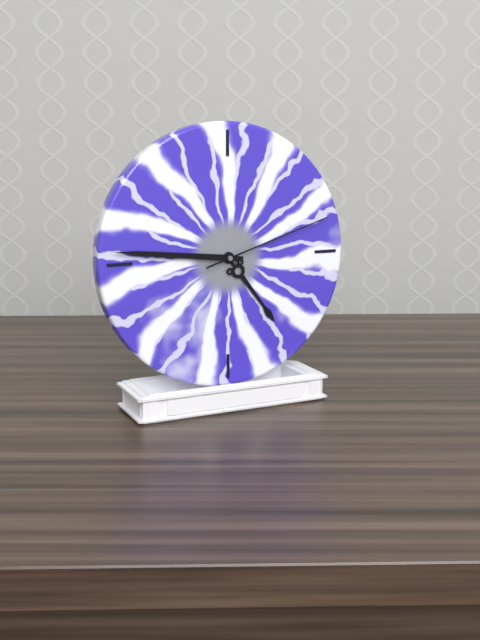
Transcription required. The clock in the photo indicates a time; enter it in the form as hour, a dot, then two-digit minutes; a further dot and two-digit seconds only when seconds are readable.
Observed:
4.46.12
